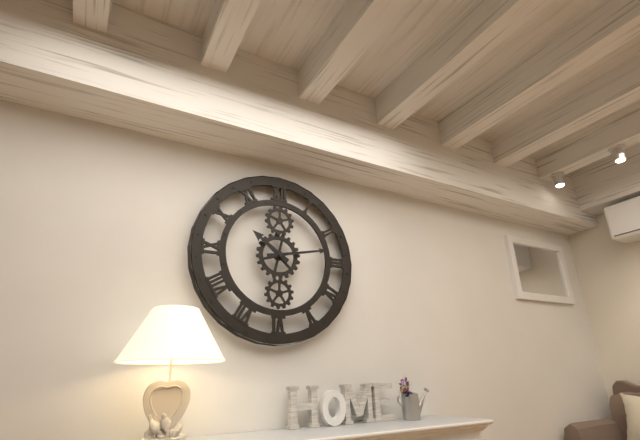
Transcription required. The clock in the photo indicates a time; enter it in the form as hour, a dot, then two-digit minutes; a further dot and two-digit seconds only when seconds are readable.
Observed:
10.13
